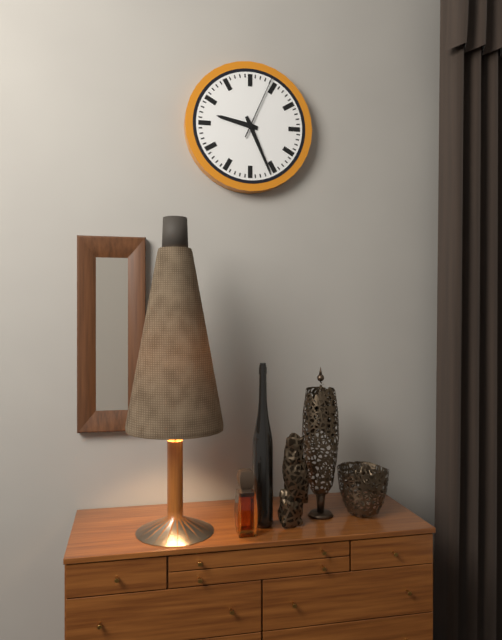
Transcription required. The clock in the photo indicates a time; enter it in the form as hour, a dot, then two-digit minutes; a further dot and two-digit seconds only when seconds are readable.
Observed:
9.26.04
